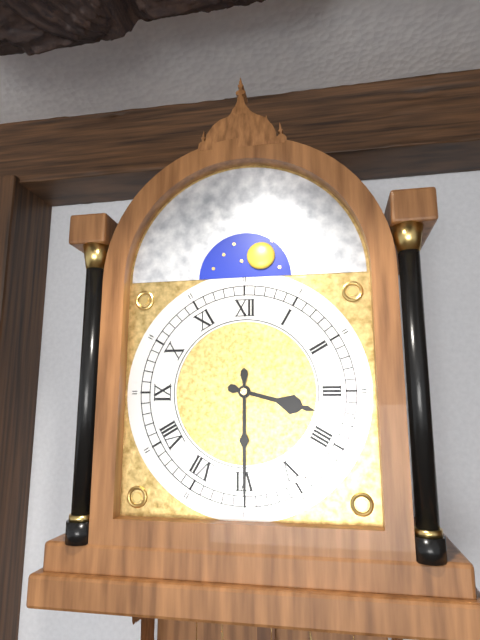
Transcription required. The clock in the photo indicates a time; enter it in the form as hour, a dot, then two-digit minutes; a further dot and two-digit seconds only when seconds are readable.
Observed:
3.30
